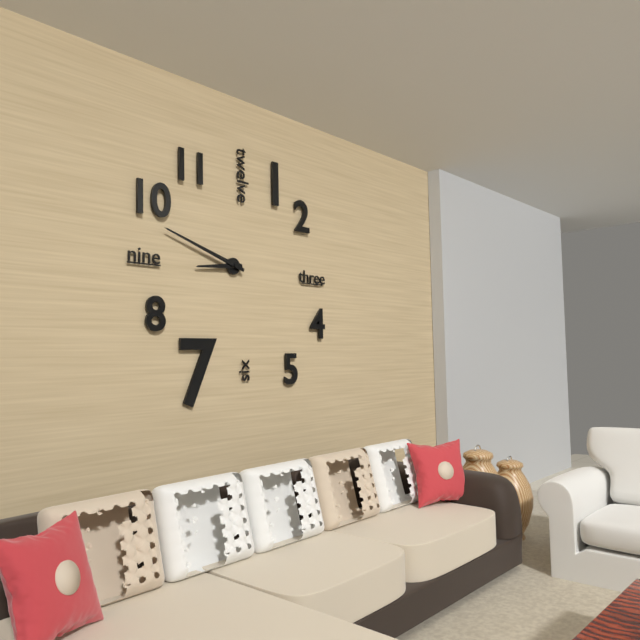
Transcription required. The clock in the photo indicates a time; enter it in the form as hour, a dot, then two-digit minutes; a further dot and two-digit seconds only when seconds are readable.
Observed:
8.48
